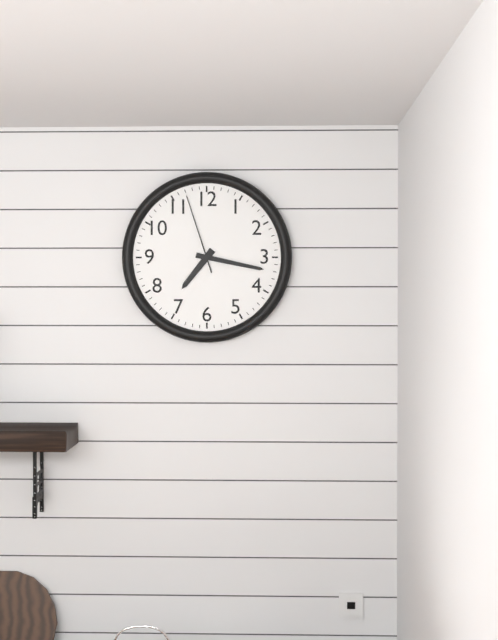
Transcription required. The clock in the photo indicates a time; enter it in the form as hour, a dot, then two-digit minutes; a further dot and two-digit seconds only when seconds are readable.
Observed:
7.17.57
